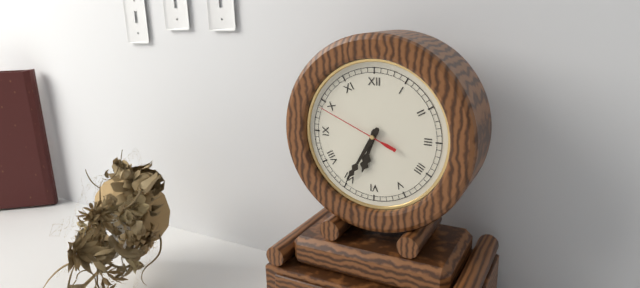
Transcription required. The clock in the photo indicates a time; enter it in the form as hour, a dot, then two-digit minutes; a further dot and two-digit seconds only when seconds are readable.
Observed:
6.35.49
